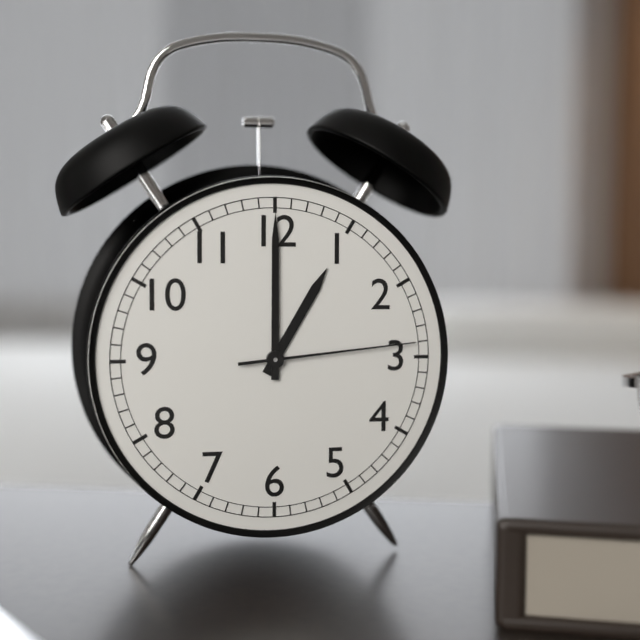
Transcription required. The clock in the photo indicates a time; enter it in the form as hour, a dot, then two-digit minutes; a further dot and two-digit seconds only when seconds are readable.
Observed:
1.00.14
